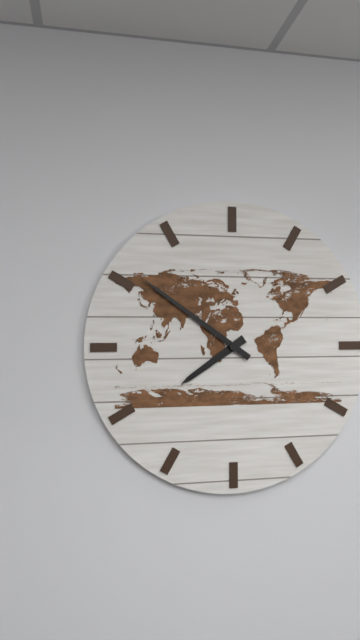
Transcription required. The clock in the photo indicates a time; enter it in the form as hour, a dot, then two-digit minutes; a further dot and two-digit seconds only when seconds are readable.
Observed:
7.51
